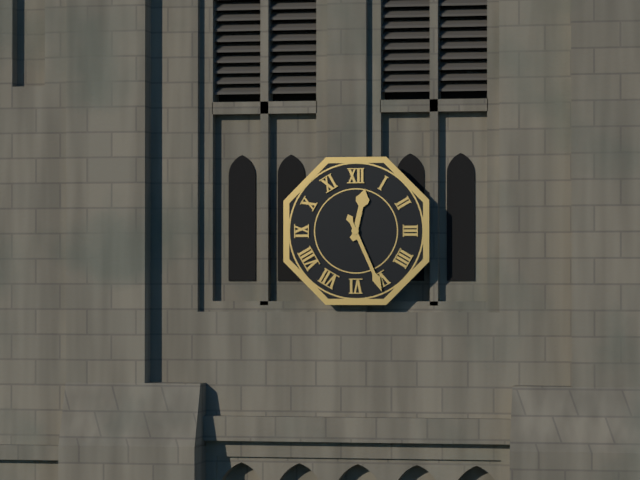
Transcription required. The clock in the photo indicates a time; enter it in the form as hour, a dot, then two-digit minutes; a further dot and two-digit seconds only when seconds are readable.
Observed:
12.26
